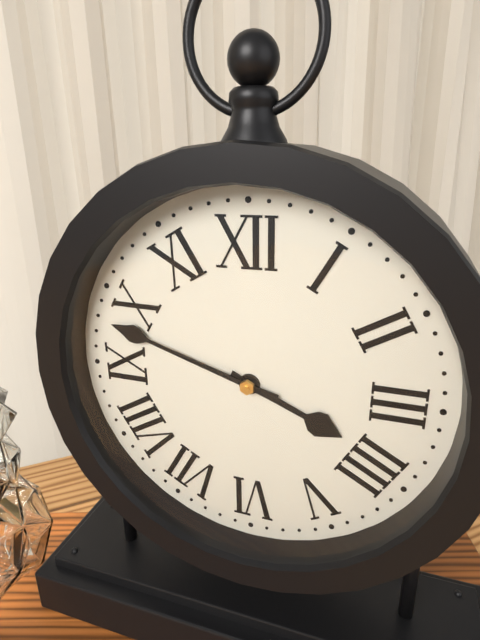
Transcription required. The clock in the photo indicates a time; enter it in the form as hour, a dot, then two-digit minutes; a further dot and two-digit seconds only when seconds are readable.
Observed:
3.48
